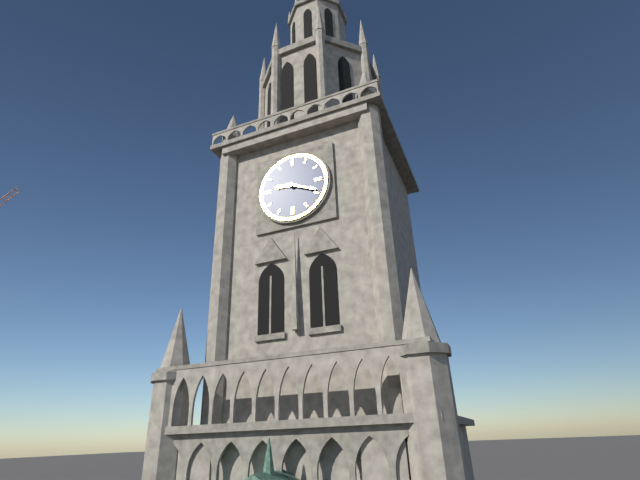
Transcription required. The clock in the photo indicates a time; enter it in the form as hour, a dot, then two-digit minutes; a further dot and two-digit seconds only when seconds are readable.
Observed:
9.19
